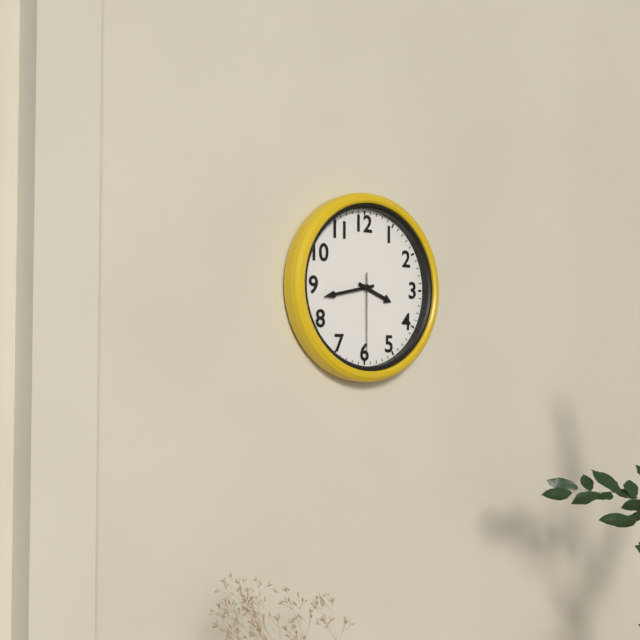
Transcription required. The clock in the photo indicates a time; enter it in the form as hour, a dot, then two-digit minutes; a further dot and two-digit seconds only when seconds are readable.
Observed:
3.43.30
